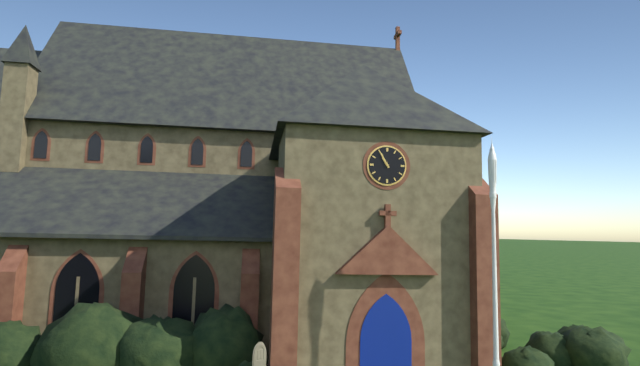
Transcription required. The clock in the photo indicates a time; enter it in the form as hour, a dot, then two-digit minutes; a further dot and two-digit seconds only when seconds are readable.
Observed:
10.55
